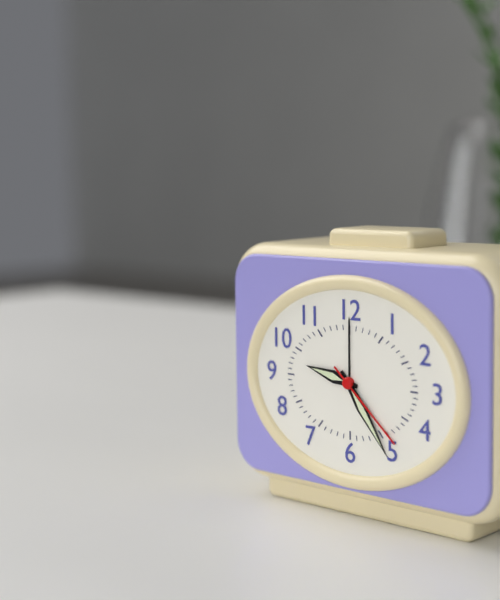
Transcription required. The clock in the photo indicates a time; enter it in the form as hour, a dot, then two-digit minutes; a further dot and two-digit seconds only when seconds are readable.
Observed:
9.24.22
